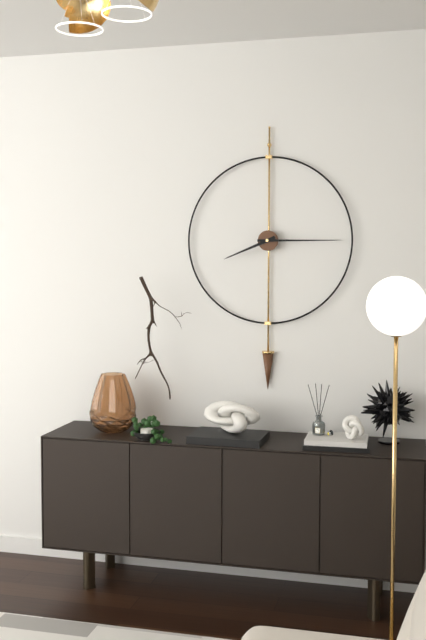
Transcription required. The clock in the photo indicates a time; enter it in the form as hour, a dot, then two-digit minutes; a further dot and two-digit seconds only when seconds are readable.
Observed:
8.15
